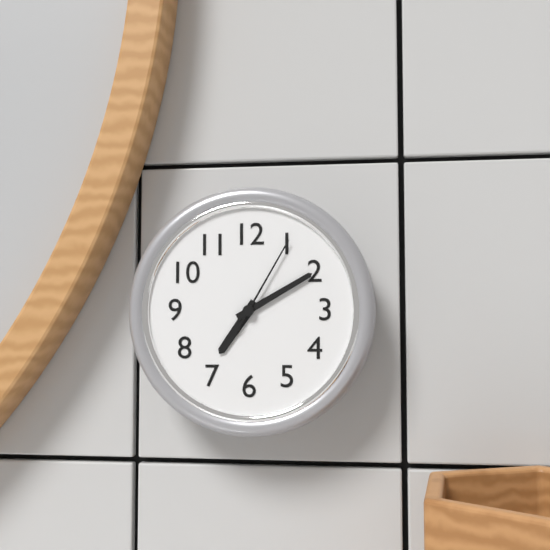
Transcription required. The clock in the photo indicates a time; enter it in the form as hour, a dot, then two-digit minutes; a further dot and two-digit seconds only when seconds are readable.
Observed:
7.10.05
